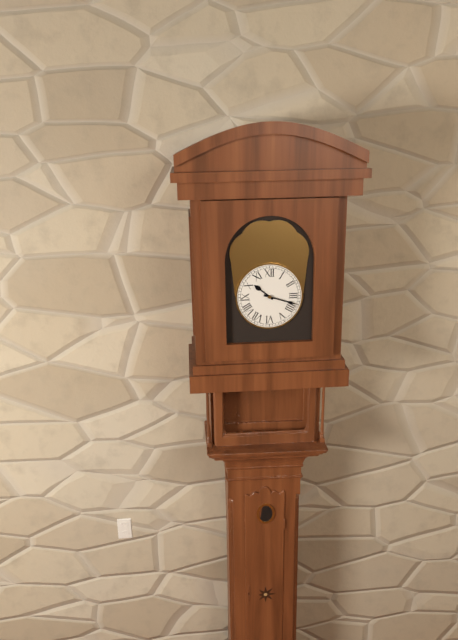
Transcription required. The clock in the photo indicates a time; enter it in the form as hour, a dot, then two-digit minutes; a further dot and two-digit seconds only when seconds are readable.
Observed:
10.18
